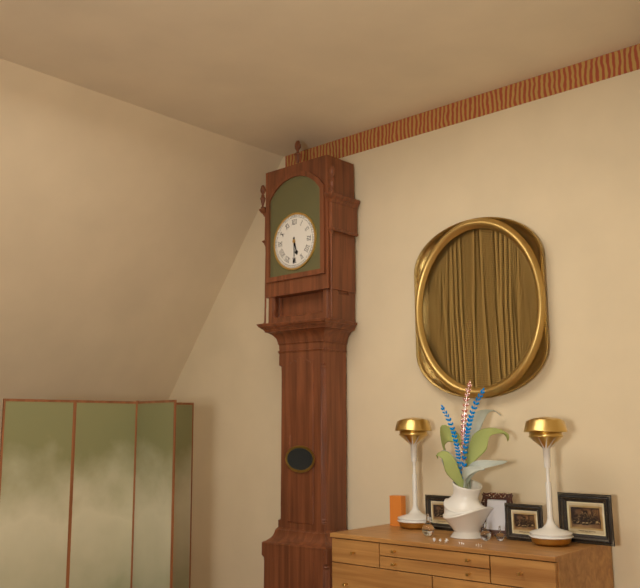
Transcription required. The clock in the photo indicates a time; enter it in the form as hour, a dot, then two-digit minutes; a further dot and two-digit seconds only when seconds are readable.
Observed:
5.30
